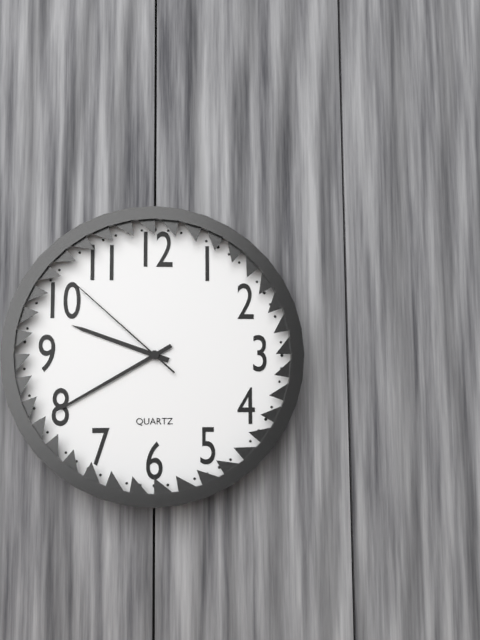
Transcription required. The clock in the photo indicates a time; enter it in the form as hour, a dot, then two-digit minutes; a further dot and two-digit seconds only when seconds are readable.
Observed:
9.40.52
